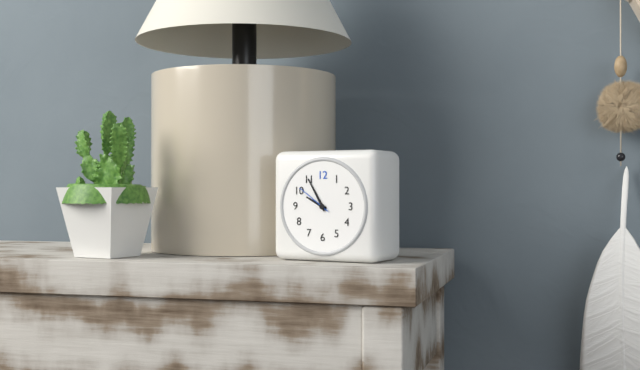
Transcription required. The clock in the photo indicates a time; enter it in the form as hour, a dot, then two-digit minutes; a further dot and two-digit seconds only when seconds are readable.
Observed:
9.55
